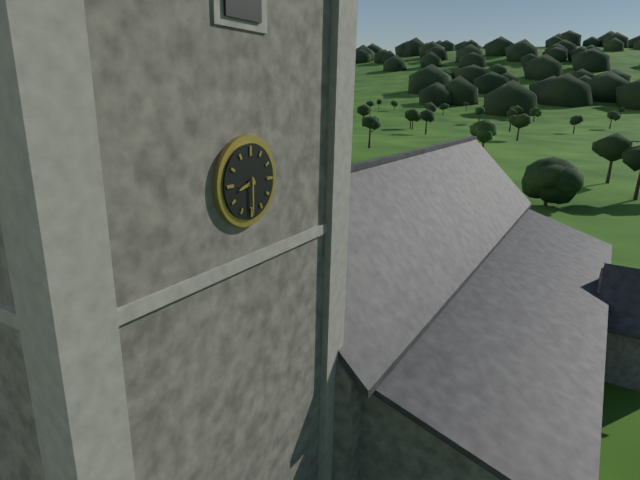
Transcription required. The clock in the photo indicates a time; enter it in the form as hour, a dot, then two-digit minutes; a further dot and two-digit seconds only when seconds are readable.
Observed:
8.30
